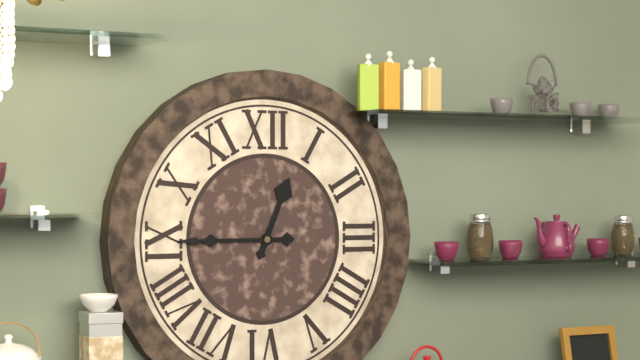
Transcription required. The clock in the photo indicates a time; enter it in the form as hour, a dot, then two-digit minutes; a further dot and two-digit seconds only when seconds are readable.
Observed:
12.45
